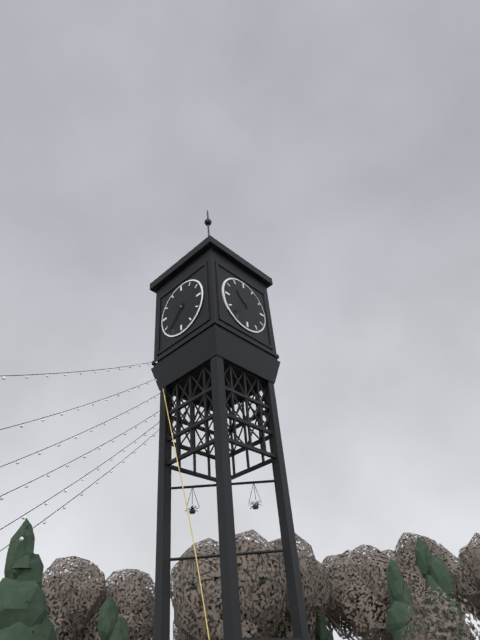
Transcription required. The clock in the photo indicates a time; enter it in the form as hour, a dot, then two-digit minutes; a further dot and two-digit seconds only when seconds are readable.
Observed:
10.37
